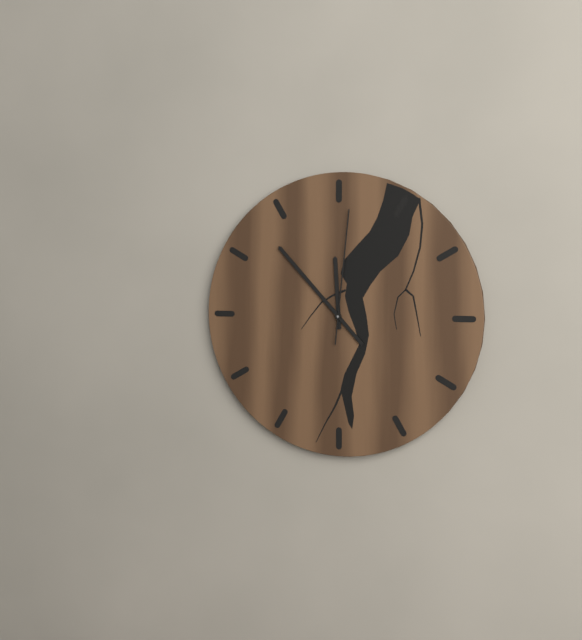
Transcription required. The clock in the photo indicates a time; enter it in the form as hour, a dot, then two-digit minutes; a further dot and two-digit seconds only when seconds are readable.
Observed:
11.53.01
